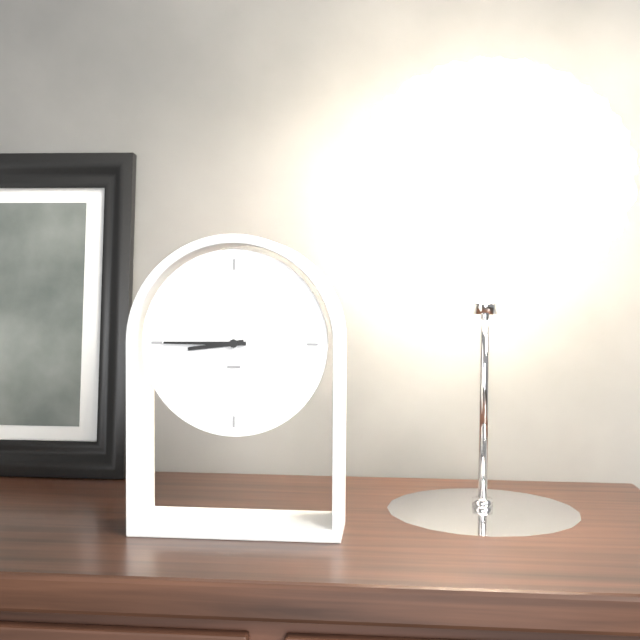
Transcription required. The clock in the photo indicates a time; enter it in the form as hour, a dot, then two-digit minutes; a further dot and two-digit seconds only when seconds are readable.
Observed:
8.45
